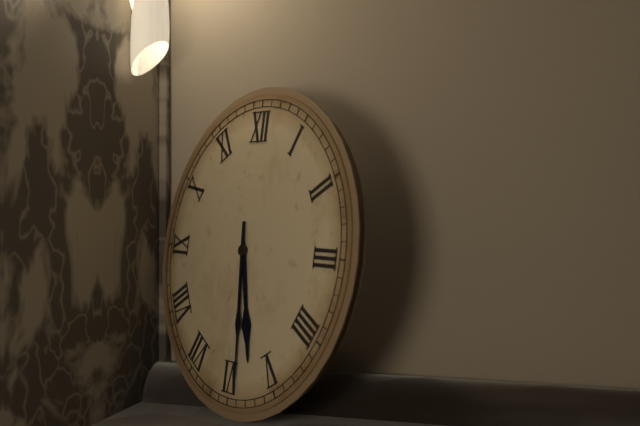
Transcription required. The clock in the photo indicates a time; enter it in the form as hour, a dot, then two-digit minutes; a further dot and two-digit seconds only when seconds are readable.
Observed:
5.29
